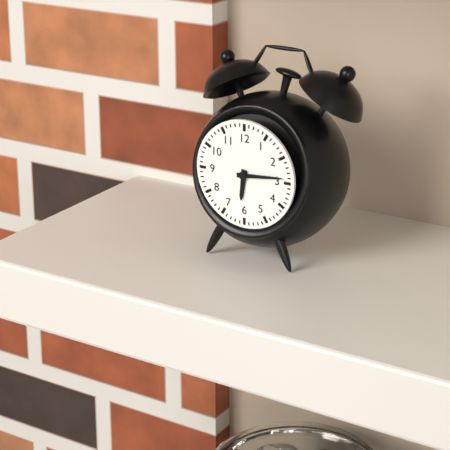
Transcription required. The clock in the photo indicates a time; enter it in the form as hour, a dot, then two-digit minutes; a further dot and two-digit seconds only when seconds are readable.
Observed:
6.14
